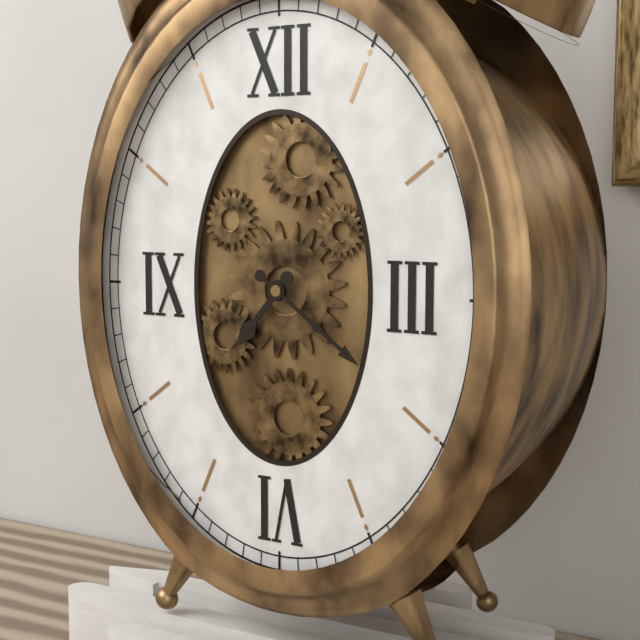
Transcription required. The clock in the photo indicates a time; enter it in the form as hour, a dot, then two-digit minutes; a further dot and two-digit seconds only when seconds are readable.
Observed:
7.21
